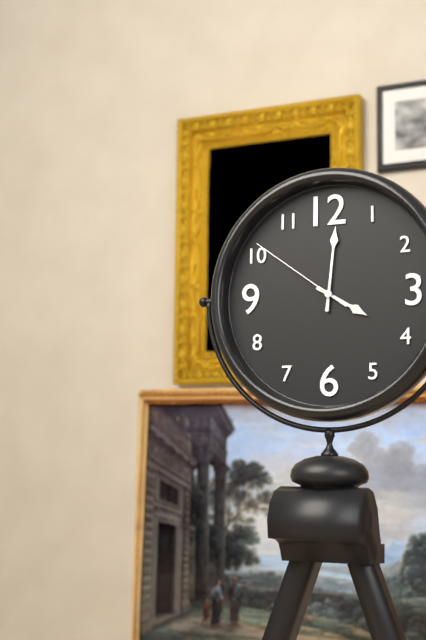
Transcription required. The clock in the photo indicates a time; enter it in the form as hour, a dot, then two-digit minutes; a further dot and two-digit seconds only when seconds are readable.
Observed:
4.01.51
